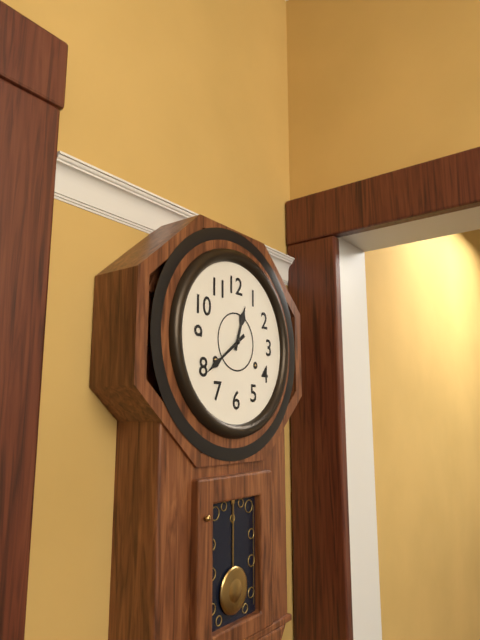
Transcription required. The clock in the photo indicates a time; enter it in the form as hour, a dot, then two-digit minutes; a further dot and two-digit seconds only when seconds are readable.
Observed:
12.39
